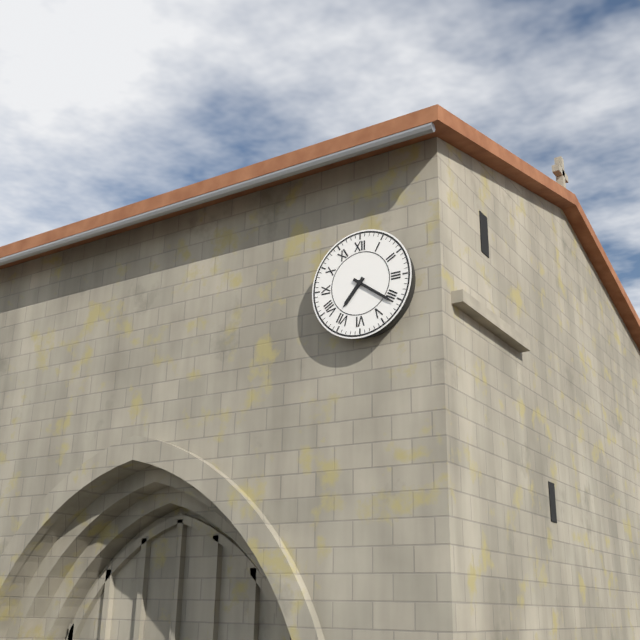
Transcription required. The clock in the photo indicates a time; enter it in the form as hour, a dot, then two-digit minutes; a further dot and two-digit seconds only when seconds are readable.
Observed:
7.21
